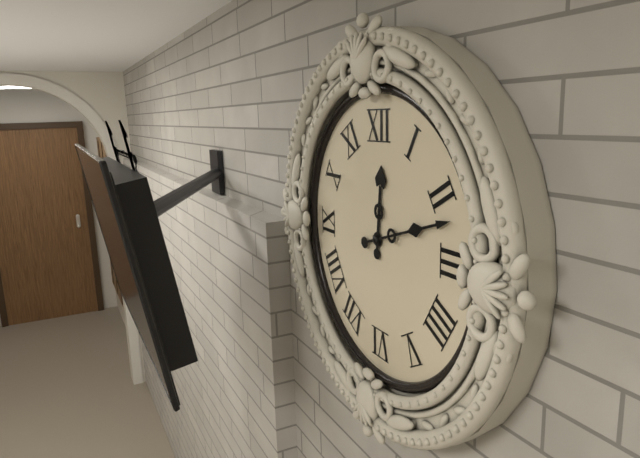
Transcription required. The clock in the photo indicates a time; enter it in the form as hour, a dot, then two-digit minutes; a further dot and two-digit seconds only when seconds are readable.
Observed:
12.12
